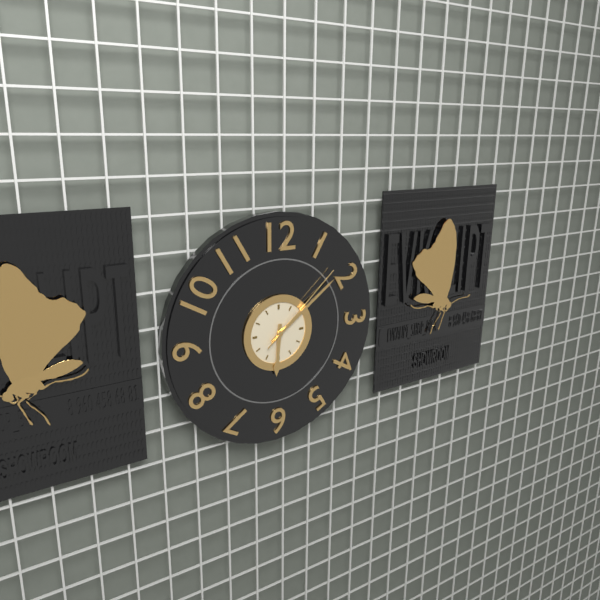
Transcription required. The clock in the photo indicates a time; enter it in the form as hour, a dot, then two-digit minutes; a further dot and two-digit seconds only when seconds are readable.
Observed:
6.09.08
